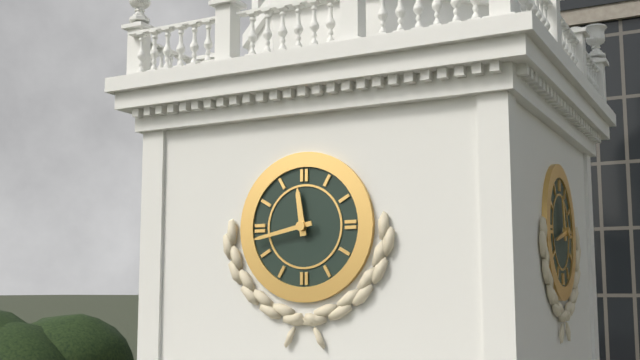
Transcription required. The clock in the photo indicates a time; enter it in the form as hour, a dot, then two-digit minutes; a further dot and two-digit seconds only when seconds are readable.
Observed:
11.43
